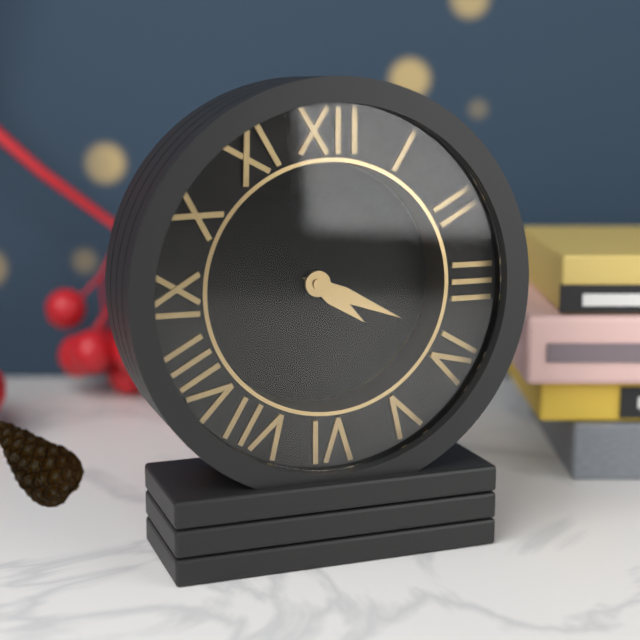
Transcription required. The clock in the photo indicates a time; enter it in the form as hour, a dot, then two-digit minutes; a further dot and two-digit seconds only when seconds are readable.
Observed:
4.19
